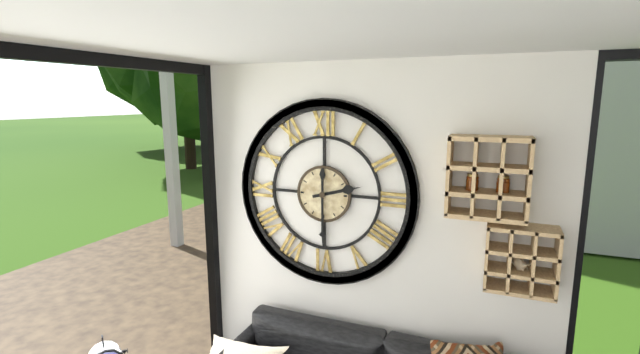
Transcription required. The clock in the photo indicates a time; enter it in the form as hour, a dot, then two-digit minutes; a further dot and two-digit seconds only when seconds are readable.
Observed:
2.30
